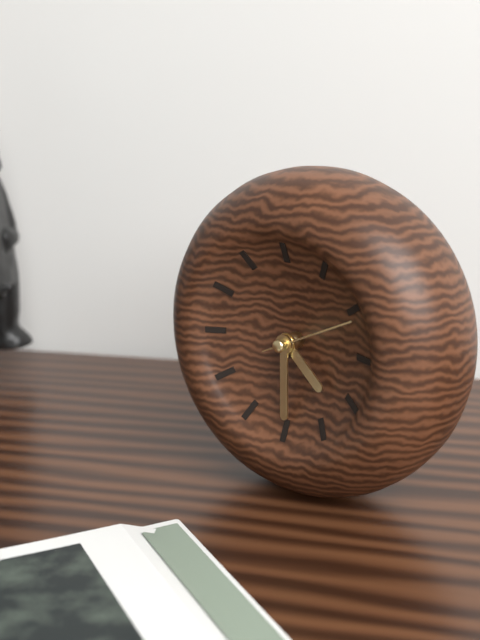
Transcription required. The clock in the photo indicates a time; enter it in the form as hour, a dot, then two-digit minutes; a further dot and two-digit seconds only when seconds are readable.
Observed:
4.30.11
